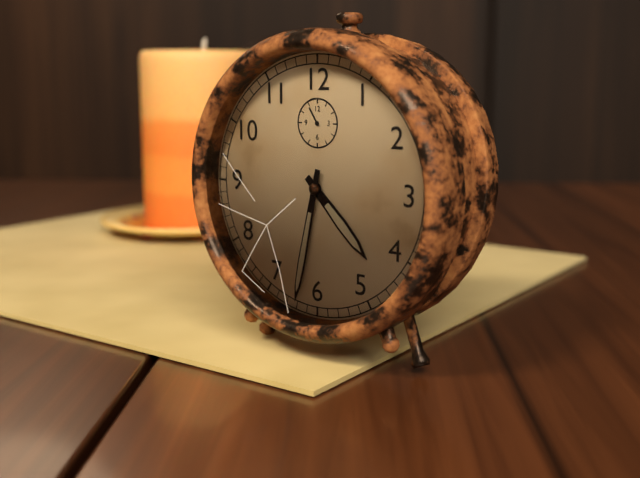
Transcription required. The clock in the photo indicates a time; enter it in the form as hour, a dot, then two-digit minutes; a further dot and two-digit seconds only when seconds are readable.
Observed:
4.32
